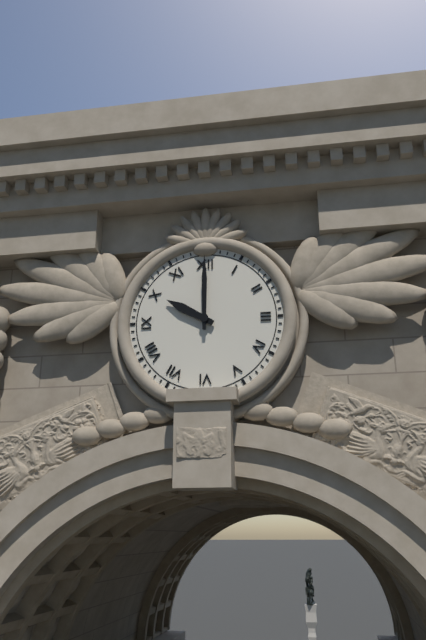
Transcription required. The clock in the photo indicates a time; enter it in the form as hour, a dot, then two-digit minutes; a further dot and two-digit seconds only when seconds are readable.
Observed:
10.00
